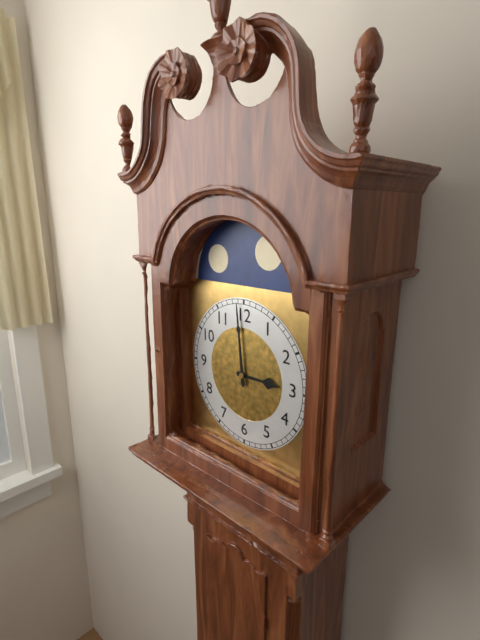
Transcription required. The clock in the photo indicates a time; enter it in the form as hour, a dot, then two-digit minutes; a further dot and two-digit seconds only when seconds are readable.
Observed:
2.59
